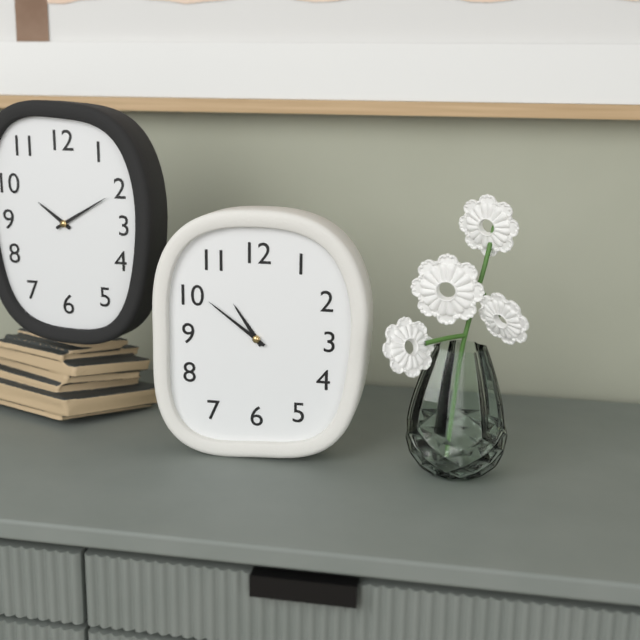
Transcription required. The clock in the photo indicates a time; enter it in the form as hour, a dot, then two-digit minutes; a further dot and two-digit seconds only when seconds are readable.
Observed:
10.51
